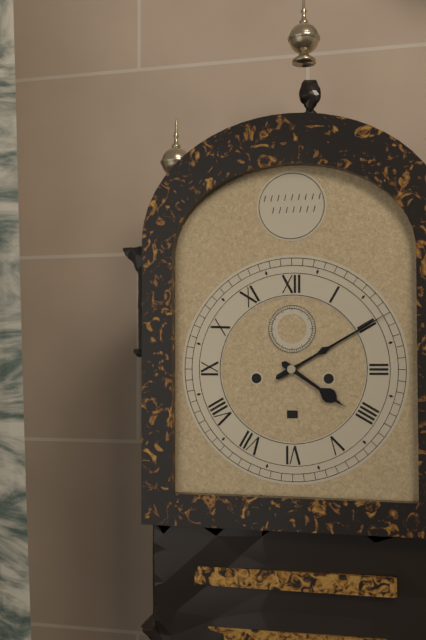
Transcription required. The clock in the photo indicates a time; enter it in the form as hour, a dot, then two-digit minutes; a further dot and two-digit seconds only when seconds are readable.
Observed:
4.10
